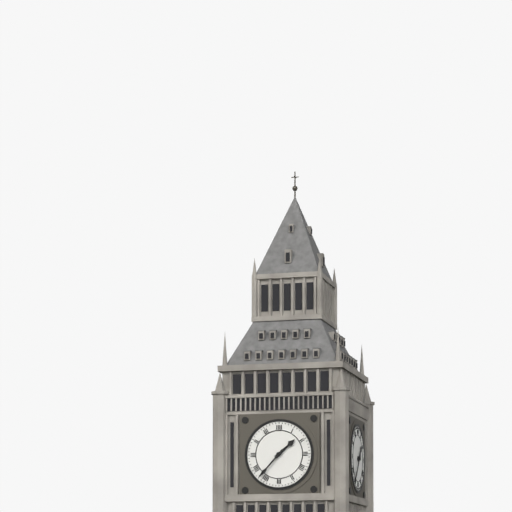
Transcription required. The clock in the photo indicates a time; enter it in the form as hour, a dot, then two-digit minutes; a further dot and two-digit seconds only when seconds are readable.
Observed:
1.37
